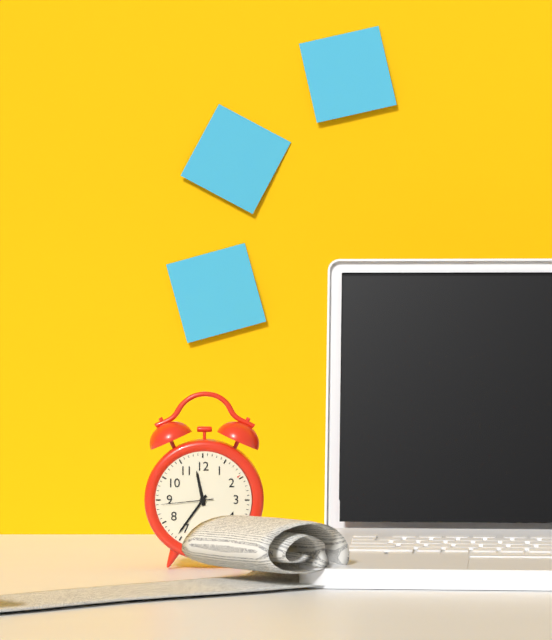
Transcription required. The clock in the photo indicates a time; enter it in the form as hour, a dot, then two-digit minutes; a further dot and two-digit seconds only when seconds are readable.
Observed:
11.36.44
